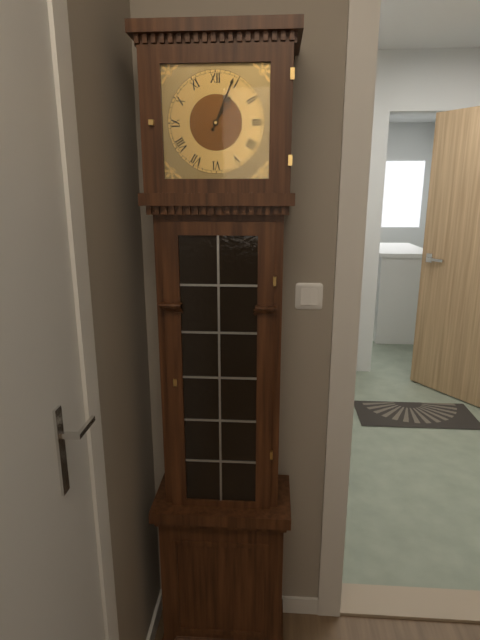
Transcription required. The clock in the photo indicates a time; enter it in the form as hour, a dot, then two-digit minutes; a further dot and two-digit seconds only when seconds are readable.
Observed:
1.04
